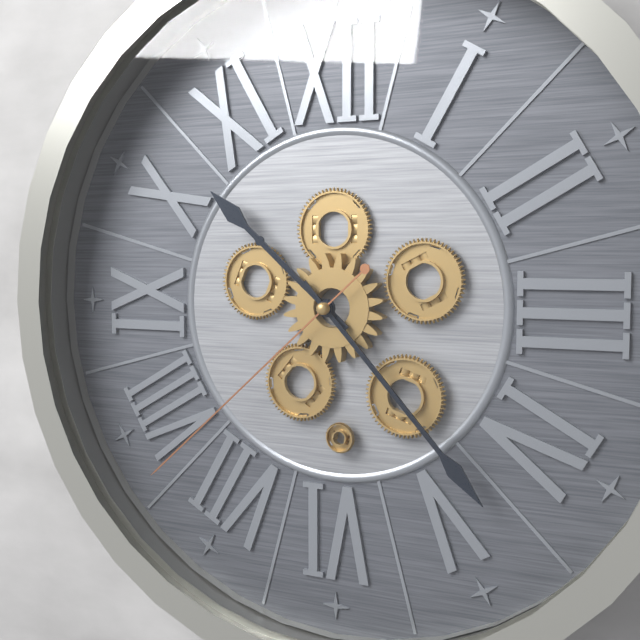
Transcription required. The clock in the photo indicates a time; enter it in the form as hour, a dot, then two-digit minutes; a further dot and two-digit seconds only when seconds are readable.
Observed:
10.23.38
